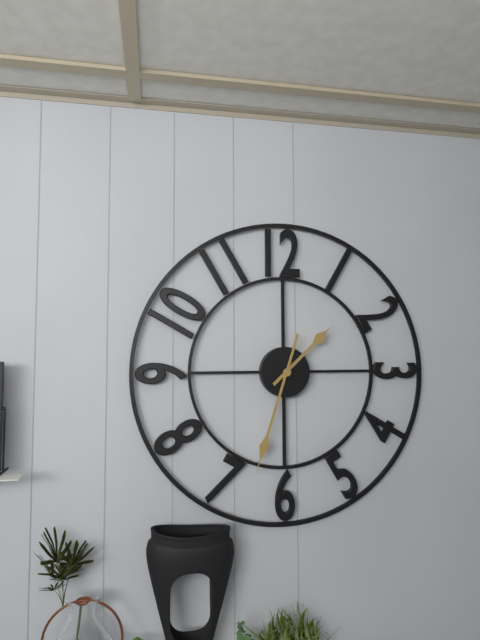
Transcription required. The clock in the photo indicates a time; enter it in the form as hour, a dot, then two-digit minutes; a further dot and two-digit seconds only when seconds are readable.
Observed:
1.33
